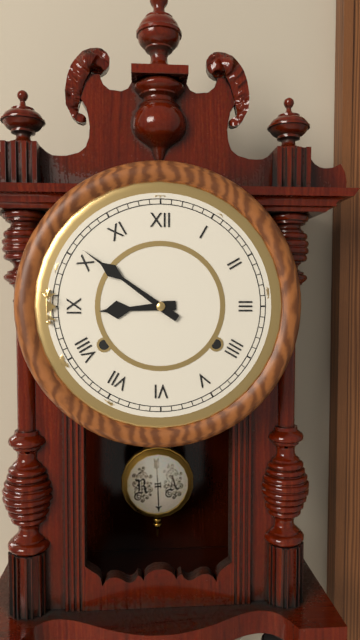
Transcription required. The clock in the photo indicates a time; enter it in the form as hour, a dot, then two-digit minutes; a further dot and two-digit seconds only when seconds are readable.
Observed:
8.51
